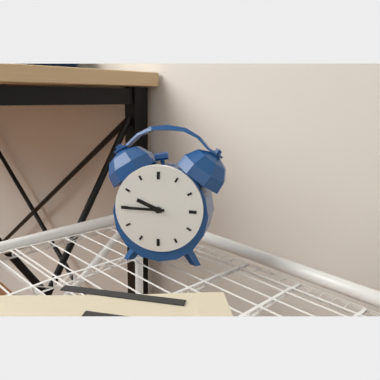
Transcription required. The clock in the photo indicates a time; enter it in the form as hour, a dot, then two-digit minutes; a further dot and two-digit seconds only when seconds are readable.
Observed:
9.45
